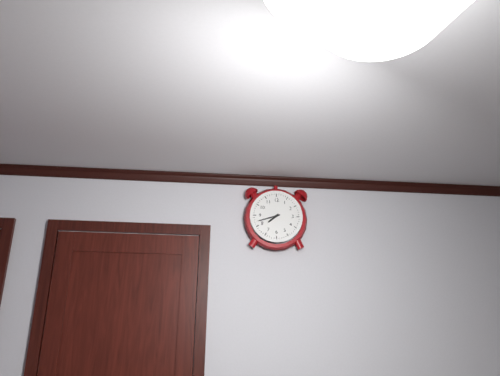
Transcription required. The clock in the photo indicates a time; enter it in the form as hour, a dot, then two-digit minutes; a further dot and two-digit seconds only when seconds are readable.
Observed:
7.42
